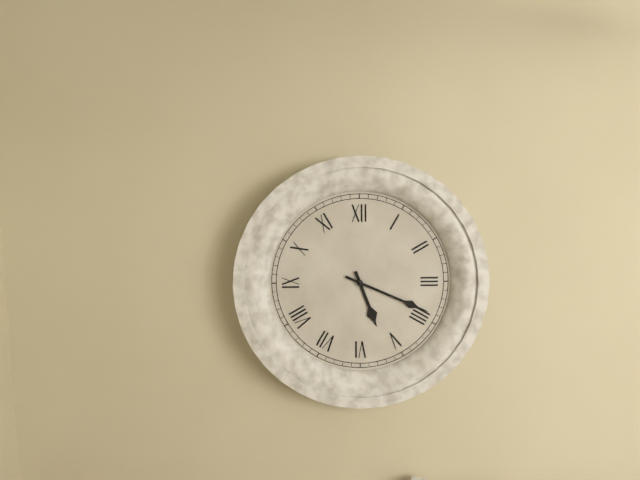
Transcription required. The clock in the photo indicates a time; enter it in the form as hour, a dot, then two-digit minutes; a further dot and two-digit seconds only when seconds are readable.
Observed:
5.19
